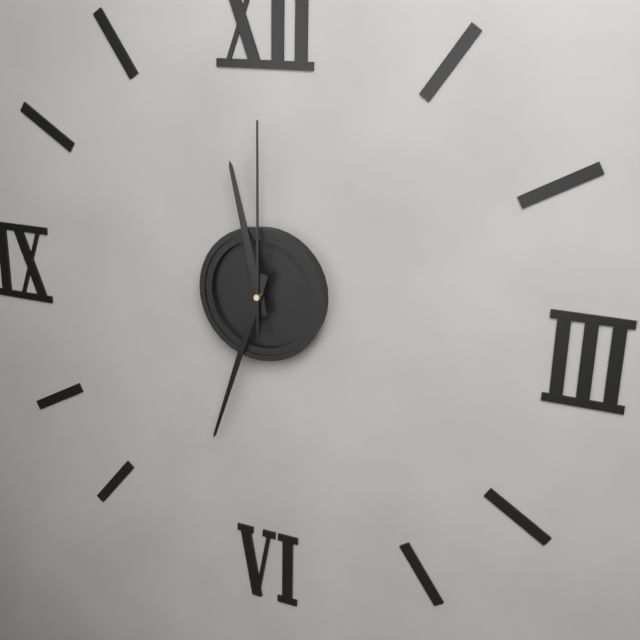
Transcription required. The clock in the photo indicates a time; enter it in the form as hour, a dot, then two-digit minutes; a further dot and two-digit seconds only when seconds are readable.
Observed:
11.33.00
